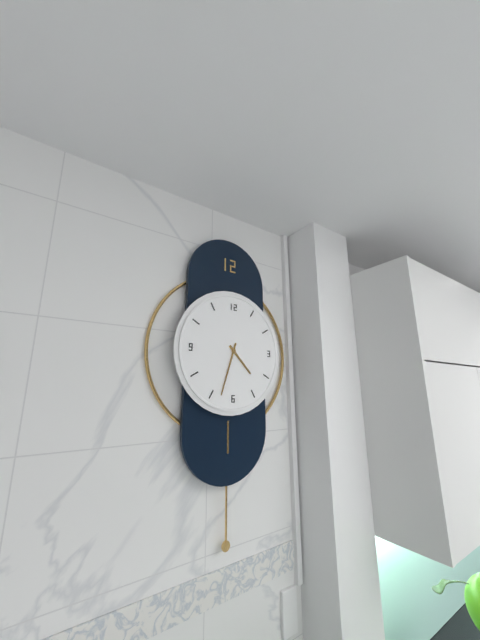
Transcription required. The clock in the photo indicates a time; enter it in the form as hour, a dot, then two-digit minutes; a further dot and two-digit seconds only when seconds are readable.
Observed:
4.33
